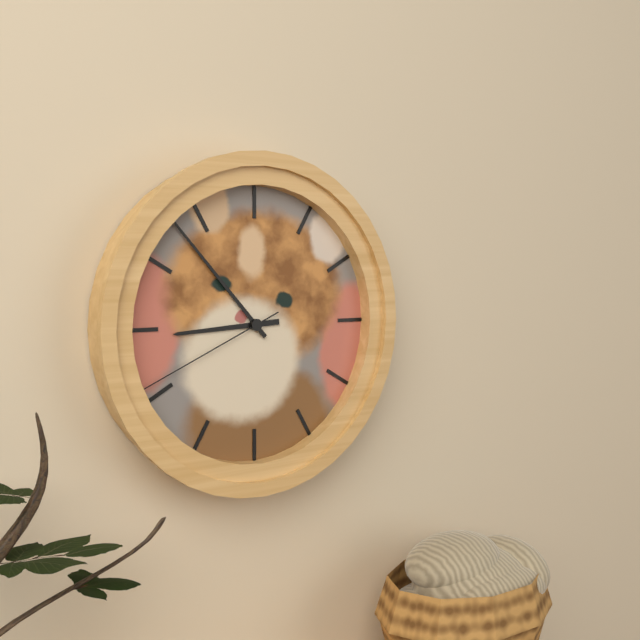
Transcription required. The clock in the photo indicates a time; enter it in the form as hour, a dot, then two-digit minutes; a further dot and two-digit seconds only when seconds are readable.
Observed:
8.53.41
